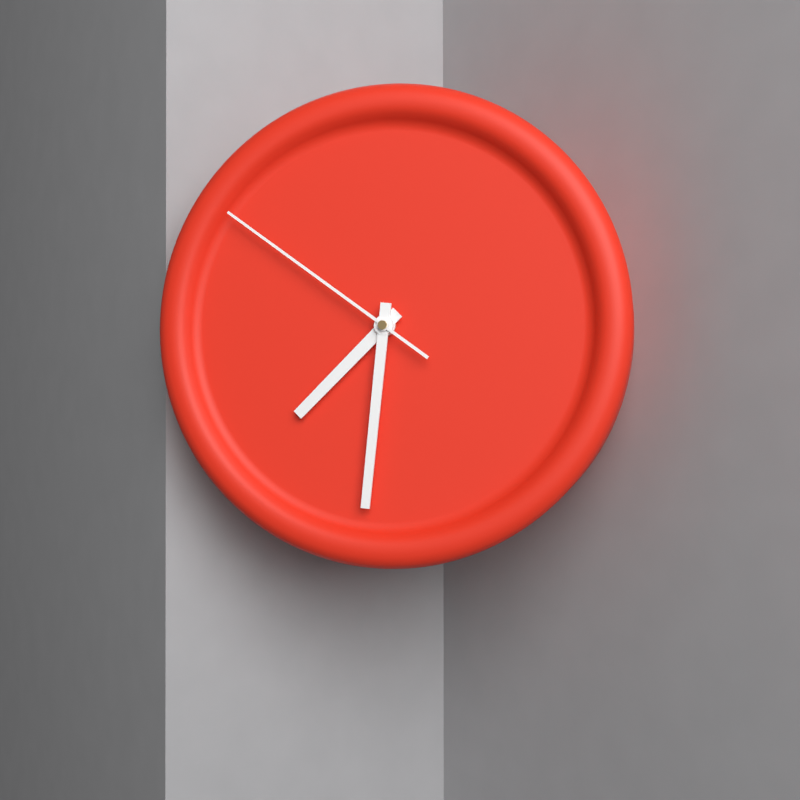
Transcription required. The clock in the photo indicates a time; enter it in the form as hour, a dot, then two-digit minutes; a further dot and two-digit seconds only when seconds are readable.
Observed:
7.31.51
